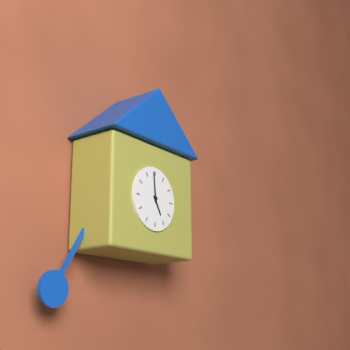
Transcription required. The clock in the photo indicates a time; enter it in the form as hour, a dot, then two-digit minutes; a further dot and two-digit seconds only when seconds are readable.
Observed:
4.59
